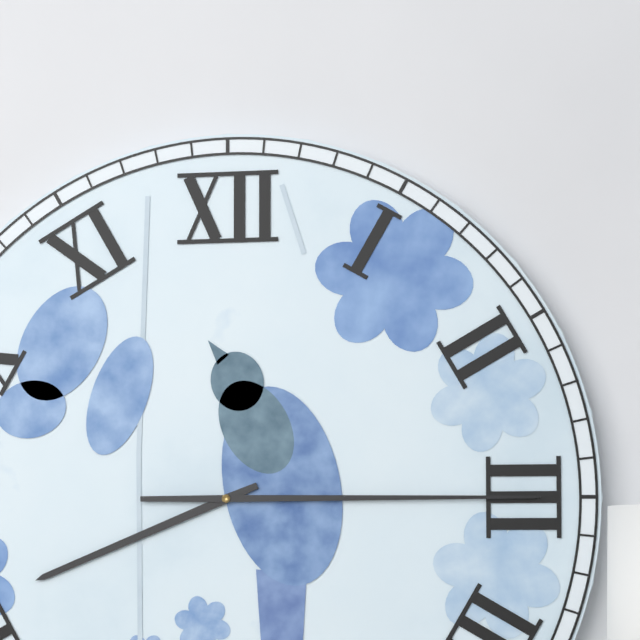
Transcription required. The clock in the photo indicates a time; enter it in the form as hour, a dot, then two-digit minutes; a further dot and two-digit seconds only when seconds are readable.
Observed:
8.15
